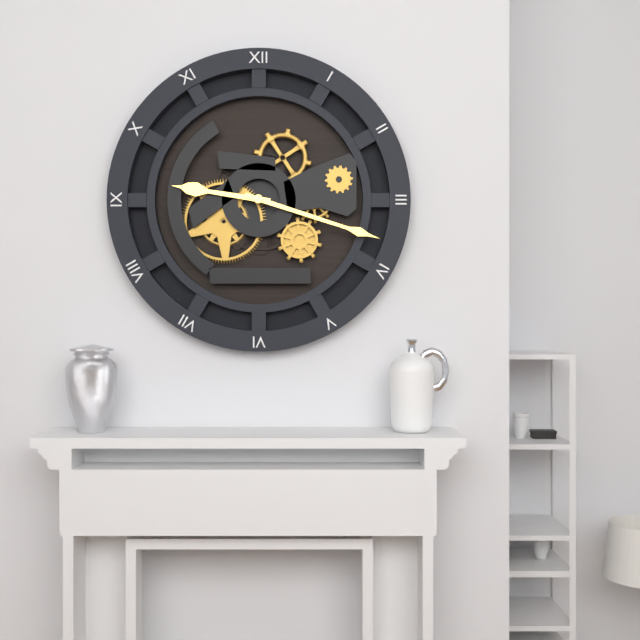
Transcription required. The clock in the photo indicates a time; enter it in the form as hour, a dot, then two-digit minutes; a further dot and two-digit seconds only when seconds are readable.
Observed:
9.18
